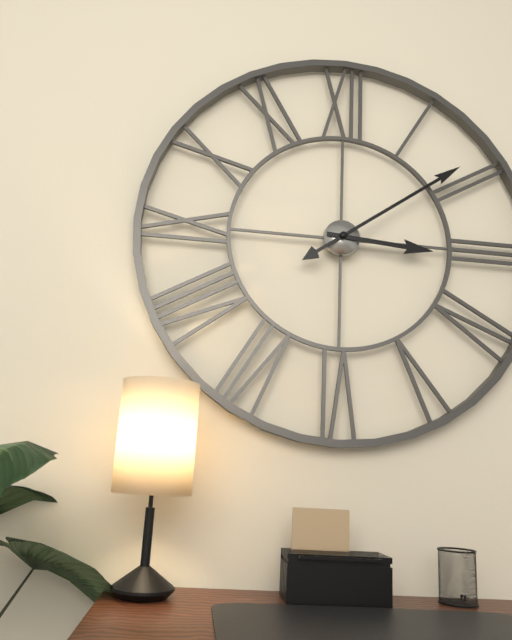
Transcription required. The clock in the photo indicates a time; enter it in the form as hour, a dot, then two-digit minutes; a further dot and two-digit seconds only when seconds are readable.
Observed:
3.09
